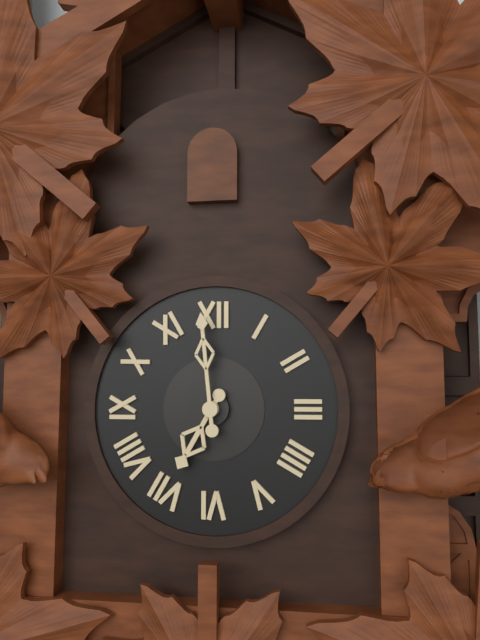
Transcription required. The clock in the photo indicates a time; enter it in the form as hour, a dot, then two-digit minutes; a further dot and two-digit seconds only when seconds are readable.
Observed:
6.59
